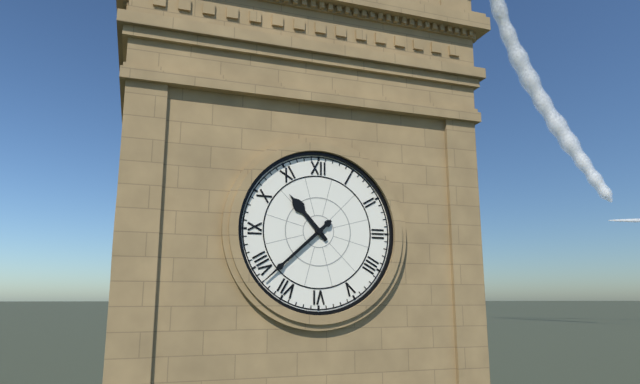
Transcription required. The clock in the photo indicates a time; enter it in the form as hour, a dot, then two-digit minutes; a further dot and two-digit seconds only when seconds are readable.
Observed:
10.38
